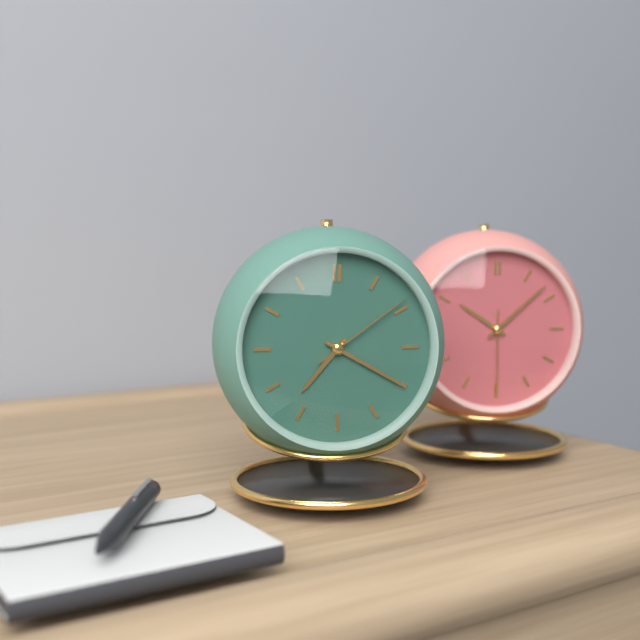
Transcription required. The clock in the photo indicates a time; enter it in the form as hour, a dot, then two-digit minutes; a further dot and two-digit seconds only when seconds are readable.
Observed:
7.20.09
